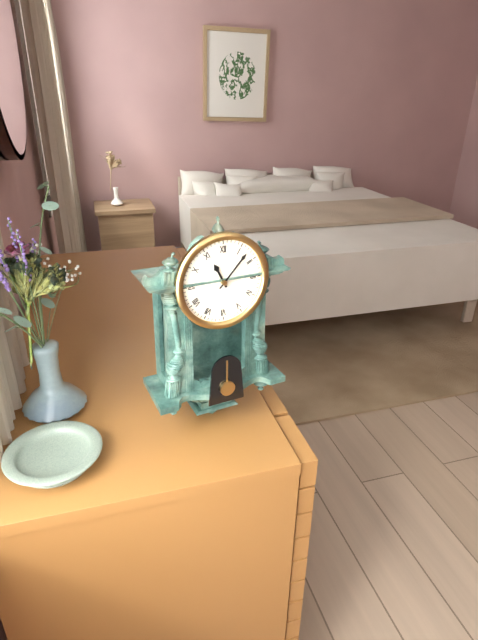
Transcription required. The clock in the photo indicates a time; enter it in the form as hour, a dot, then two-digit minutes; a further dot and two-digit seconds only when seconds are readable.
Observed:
11.07
